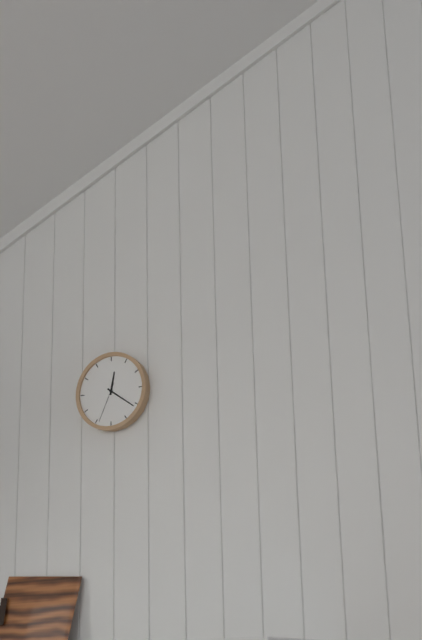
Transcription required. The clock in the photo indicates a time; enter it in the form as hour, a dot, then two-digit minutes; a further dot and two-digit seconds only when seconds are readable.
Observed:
12.21
